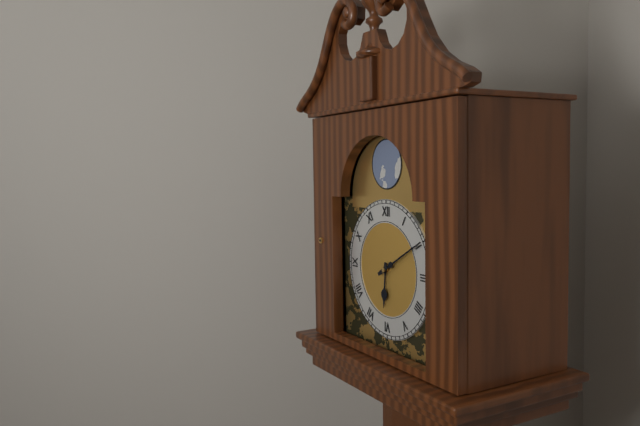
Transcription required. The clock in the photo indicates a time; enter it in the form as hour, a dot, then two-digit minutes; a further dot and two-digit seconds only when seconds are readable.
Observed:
6.10
